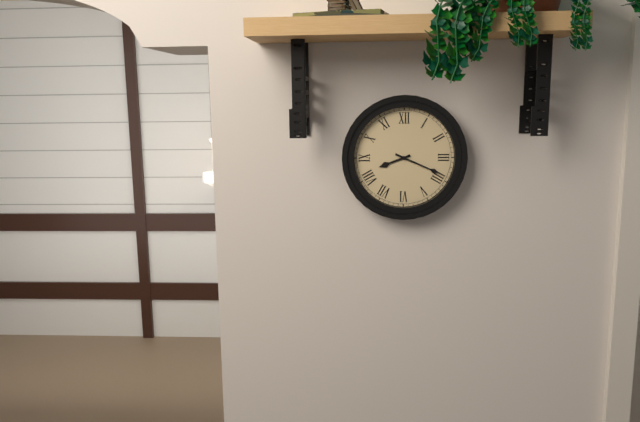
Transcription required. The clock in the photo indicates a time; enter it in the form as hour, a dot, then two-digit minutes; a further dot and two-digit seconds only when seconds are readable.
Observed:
8.19
